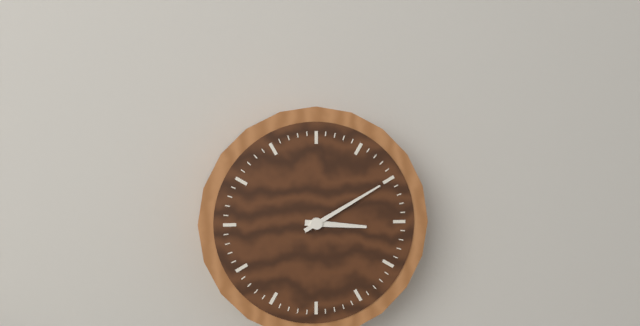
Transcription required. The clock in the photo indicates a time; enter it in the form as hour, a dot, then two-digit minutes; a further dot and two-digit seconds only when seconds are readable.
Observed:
3.10
